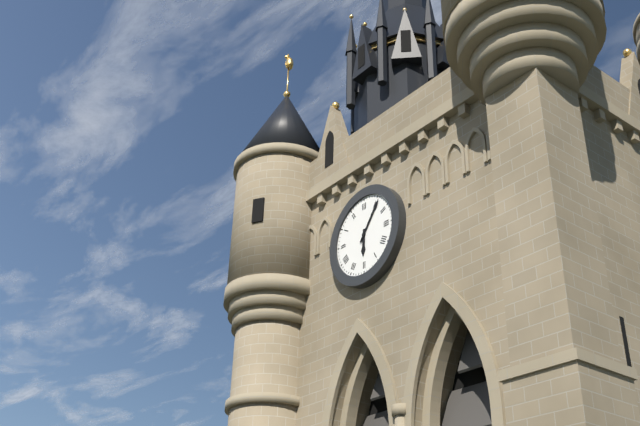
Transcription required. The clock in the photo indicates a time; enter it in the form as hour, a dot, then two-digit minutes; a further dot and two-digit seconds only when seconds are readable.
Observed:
6.06
